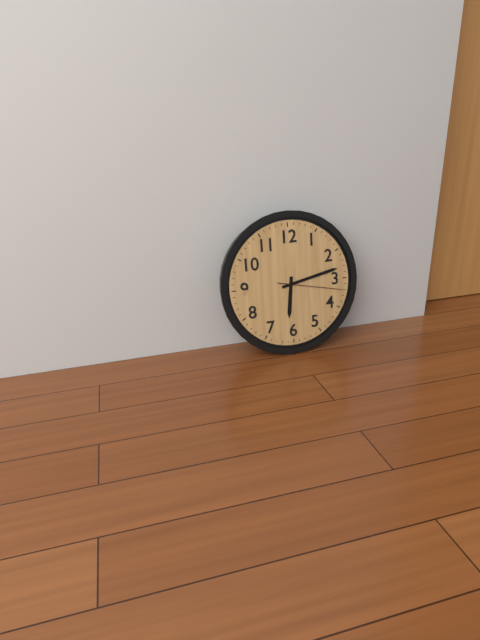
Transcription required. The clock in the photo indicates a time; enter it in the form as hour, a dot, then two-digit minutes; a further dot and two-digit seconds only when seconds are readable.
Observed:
6.13.17
